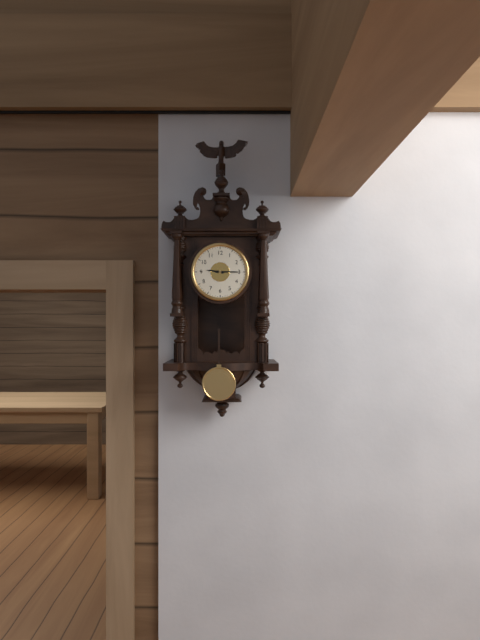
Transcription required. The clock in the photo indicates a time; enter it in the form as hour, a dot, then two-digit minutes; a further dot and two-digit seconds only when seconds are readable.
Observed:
9.15
